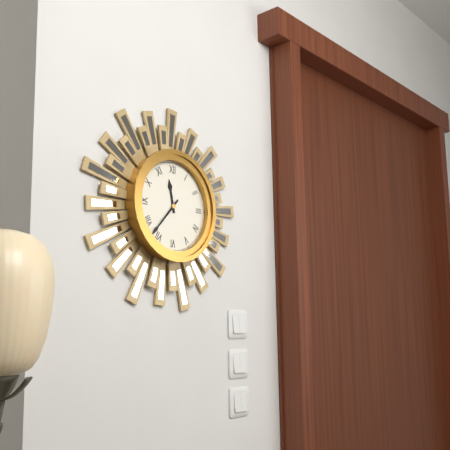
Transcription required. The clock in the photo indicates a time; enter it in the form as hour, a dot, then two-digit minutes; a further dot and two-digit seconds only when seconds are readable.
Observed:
11.37
